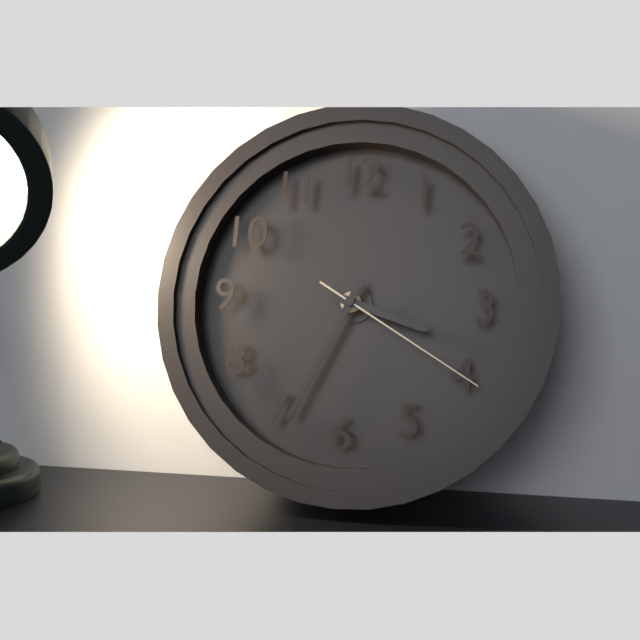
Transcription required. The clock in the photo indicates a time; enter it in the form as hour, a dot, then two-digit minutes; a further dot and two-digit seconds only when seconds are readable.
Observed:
3.34.20
